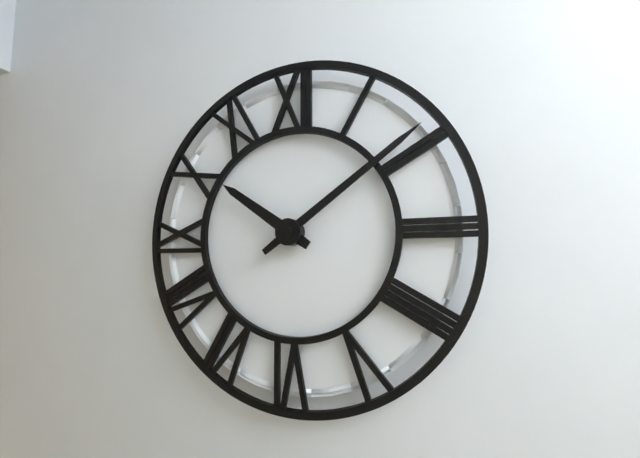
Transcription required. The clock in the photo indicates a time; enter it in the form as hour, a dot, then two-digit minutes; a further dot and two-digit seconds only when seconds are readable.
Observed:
10.09
